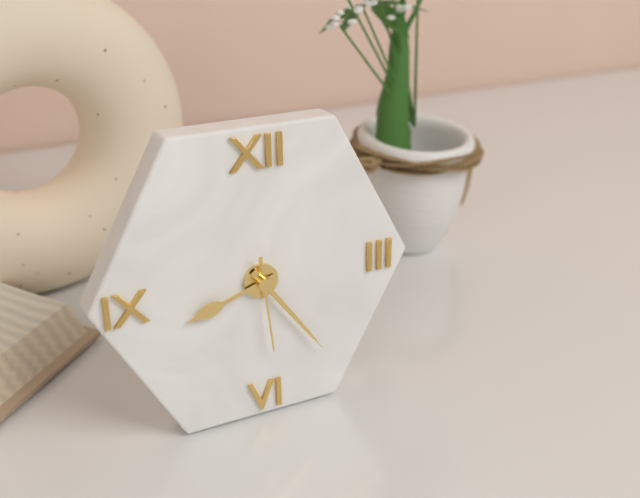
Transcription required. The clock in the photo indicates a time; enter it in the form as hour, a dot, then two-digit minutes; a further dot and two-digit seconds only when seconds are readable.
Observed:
8.24.29
